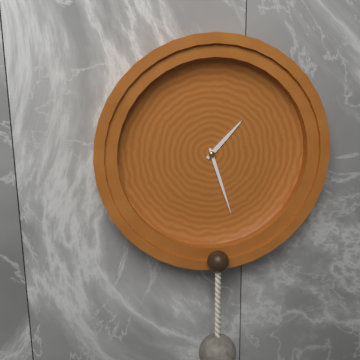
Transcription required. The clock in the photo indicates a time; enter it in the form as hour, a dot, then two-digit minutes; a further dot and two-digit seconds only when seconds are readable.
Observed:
1.27
